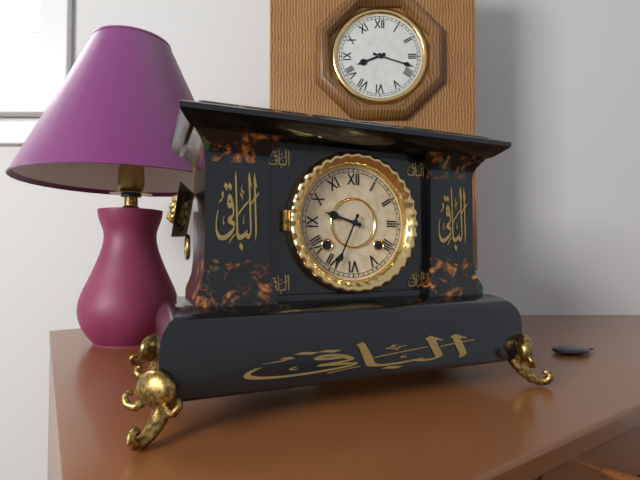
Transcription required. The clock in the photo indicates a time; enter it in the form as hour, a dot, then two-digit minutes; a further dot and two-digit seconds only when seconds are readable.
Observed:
9.34
